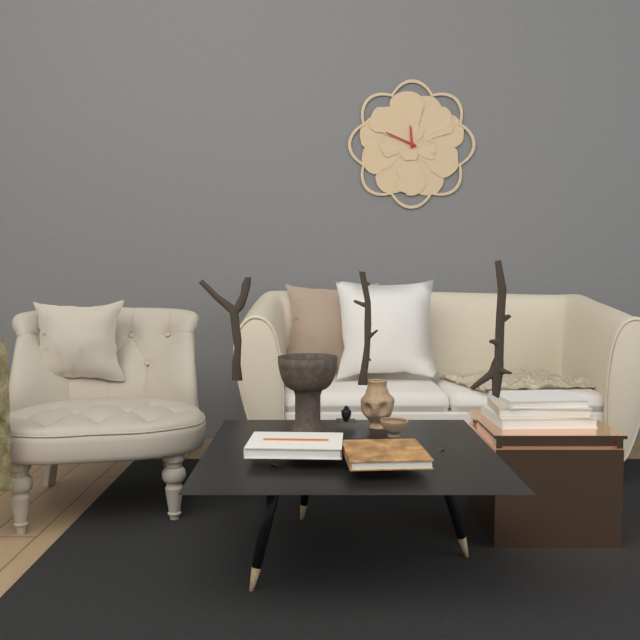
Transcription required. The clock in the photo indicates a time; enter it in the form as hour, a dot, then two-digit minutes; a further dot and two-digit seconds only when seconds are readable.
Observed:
11.49
